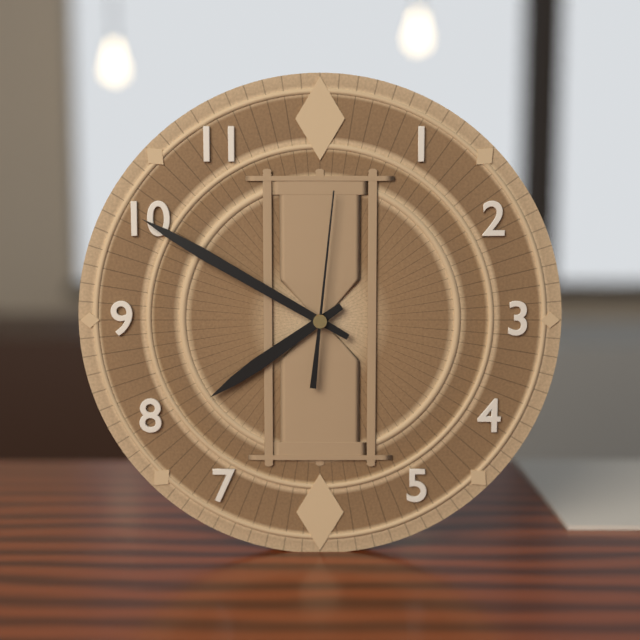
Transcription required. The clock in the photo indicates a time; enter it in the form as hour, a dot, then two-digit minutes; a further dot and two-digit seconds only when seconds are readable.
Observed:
7.50.01
